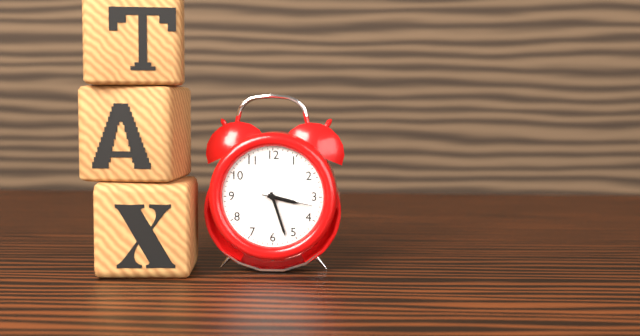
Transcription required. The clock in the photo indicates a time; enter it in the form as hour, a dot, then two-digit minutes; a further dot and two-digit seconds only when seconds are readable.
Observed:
3.27.17
